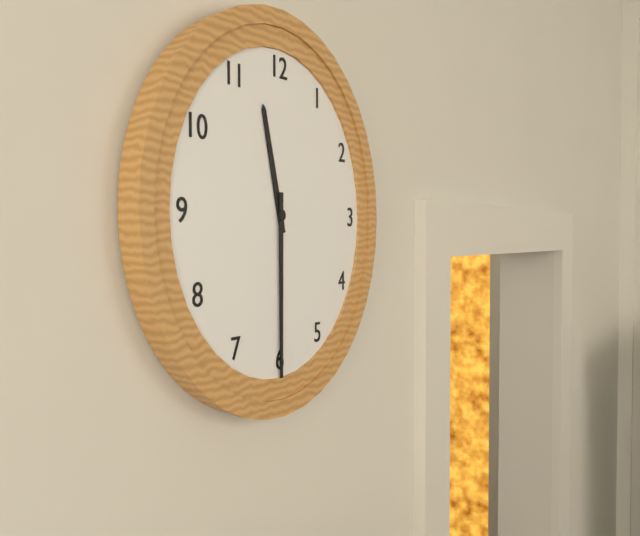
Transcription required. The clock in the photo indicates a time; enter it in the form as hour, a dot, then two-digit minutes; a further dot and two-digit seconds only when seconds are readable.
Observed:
11.30
